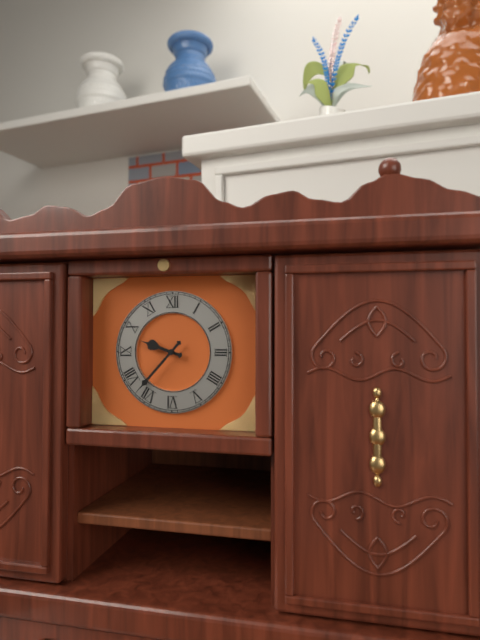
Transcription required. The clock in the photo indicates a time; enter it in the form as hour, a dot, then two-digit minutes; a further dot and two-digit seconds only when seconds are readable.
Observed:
9.37
